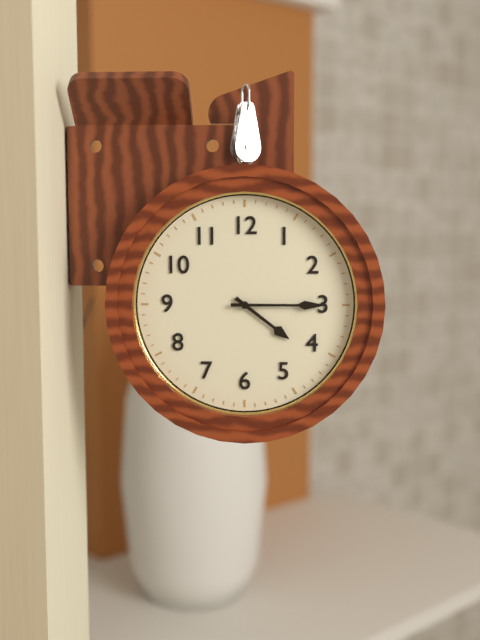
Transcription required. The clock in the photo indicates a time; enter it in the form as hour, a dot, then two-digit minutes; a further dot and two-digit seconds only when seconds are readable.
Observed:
4.15
